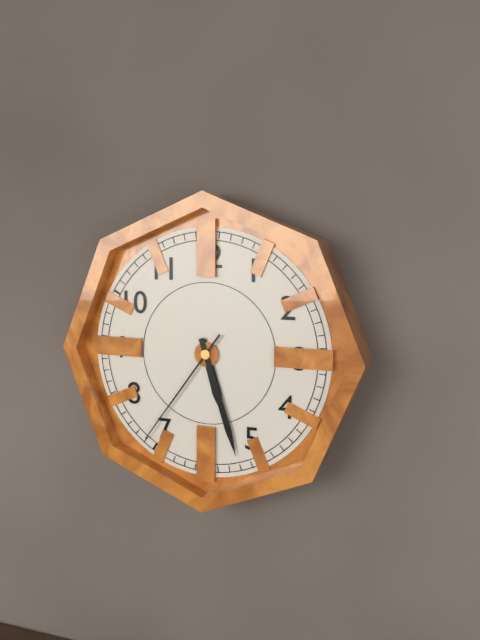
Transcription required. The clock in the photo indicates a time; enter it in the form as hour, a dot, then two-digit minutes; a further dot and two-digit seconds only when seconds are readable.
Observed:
5.27.36
